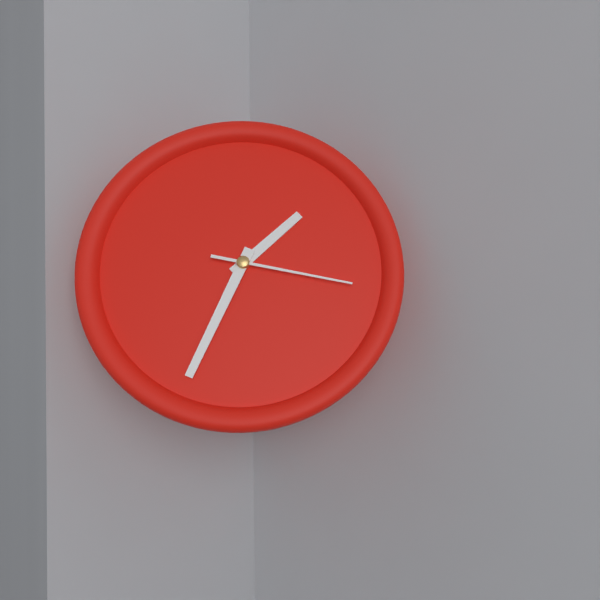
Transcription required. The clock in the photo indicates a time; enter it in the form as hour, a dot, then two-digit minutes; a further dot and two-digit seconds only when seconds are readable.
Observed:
1.34.17
